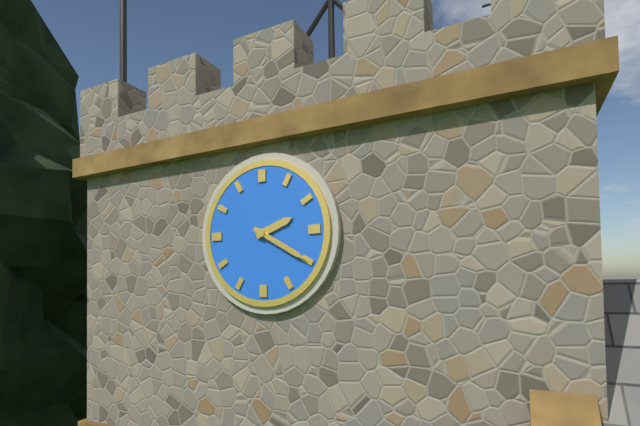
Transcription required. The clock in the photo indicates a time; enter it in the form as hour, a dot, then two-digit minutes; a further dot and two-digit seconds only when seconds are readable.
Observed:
2.20
